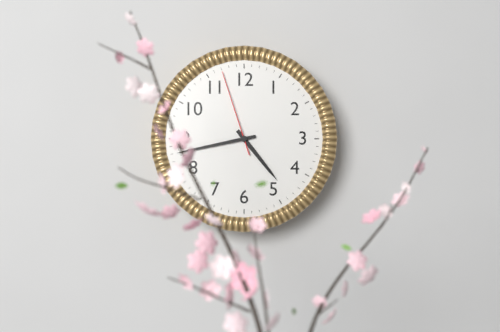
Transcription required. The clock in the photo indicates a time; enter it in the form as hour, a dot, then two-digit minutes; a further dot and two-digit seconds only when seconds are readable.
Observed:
4.43.57
